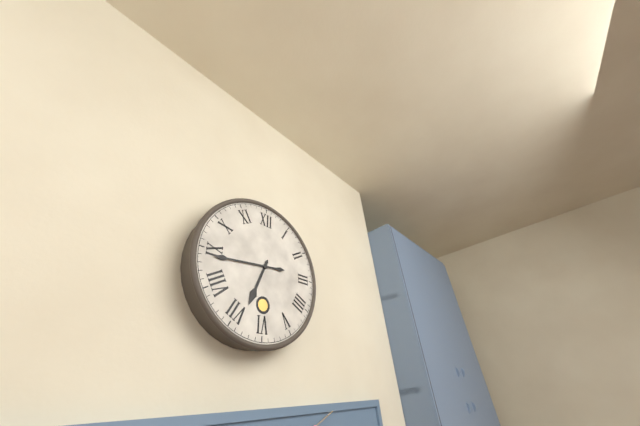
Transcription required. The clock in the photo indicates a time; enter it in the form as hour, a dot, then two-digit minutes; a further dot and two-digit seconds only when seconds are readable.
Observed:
6.44
